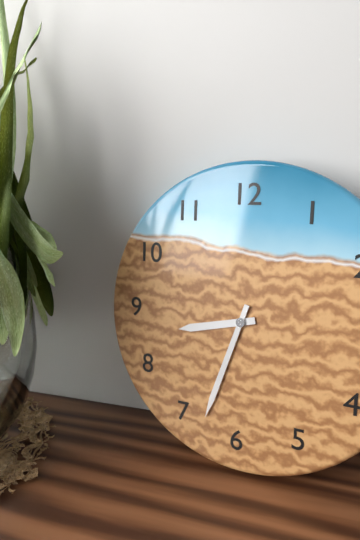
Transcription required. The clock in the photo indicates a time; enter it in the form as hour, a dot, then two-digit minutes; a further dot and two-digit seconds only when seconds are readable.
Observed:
8.33
